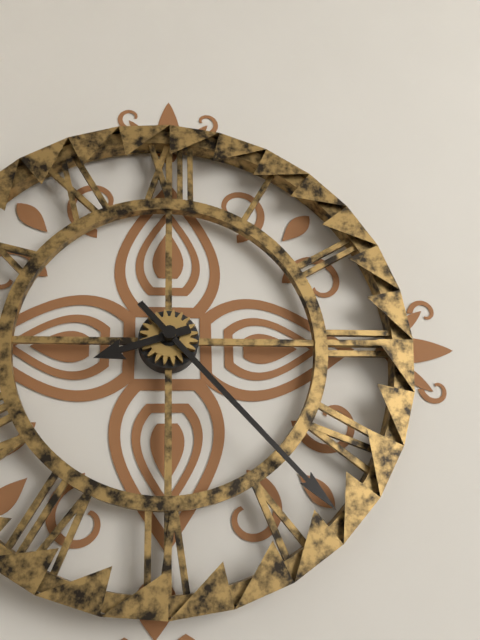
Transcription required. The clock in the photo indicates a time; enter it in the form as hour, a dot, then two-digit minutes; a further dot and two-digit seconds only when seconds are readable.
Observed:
8.23
